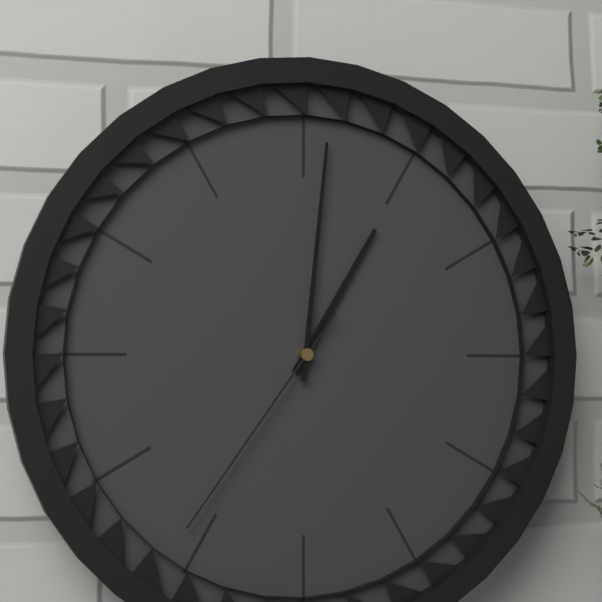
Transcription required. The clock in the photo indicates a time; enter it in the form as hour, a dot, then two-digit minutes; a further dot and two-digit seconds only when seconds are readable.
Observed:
1.01.36
